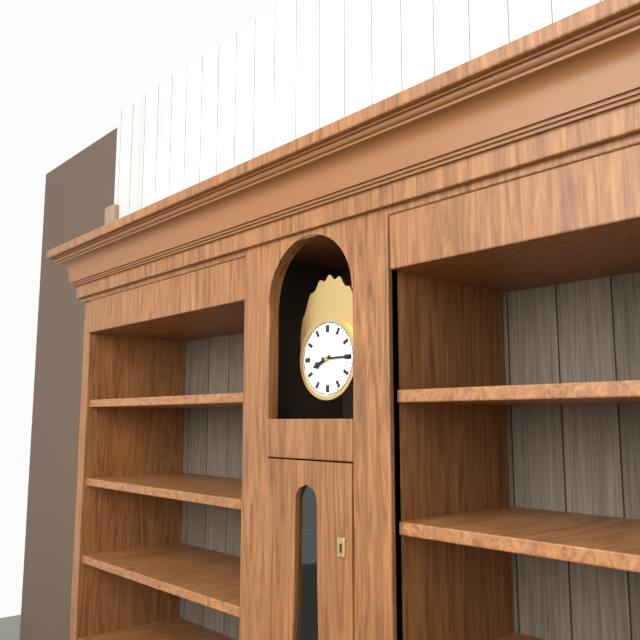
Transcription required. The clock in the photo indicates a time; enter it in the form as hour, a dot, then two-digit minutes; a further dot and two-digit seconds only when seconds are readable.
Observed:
8.15
